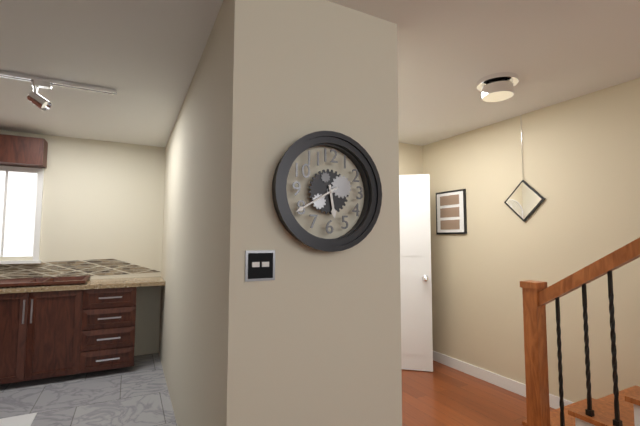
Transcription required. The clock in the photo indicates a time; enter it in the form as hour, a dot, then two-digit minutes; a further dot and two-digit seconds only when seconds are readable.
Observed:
5.40
